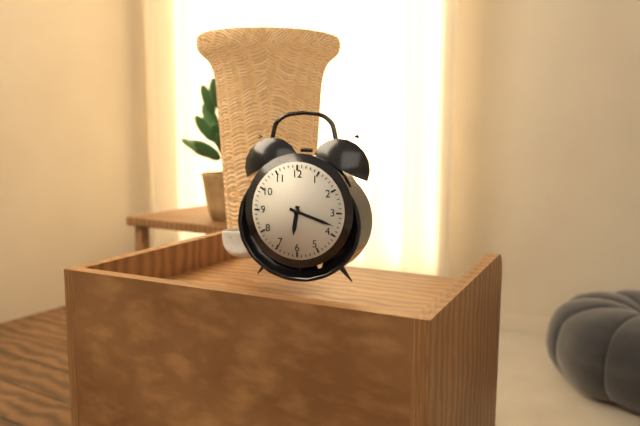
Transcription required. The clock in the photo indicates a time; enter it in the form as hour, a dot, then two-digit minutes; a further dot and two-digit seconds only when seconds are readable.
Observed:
6.18
